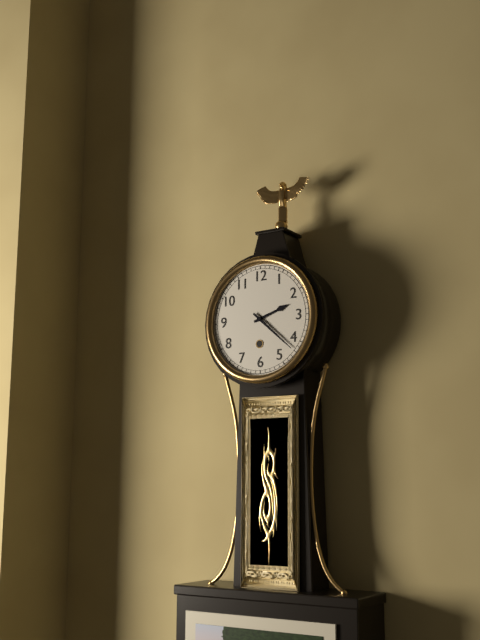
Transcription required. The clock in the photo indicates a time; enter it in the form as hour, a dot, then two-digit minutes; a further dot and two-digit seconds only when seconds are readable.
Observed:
2.22
